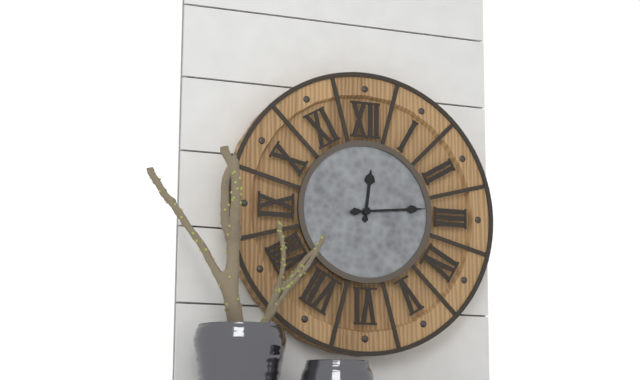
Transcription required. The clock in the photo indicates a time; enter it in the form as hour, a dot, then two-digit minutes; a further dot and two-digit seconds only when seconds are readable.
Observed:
12.14
